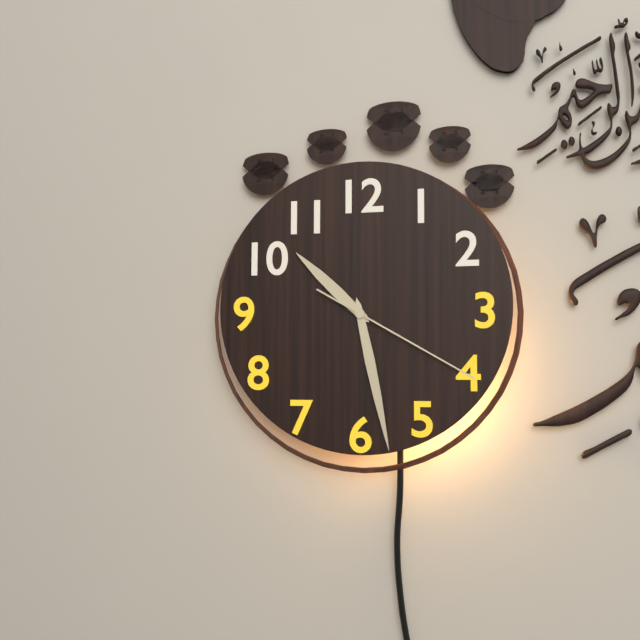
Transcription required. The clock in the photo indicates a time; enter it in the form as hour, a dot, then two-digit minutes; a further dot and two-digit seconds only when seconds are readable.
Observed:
10.28.20
